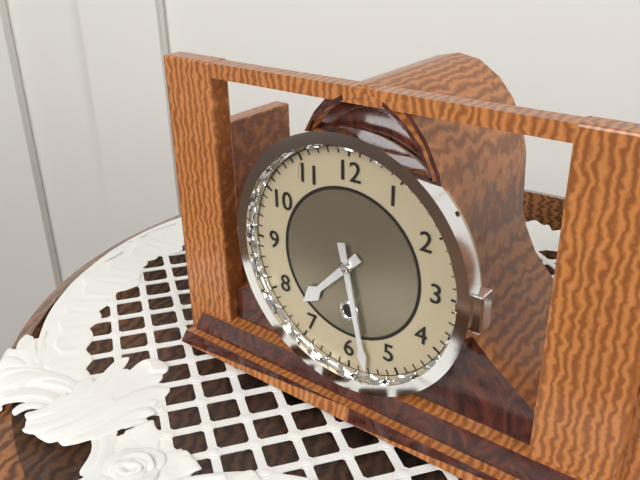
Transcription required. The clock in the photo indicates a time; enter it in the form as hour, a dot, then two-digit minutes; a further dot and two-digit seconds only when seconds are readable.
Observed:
7.28
